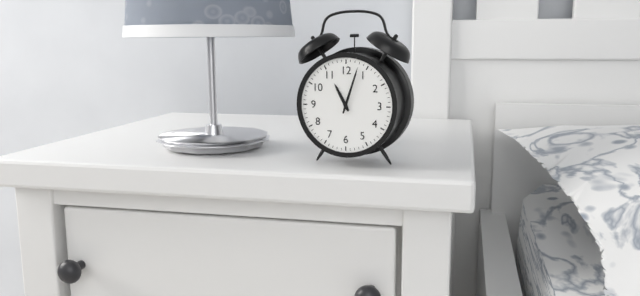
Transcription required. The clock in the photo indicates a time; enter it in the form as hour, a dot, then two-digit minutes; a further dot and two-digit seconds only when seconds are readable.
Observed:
11.03
